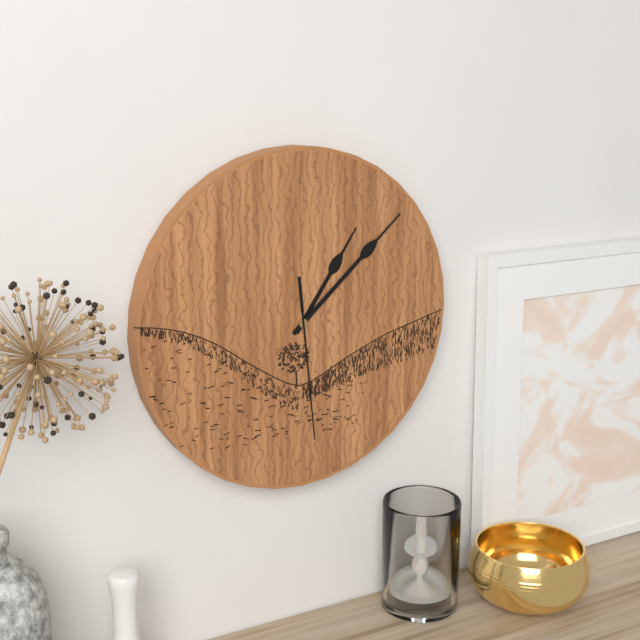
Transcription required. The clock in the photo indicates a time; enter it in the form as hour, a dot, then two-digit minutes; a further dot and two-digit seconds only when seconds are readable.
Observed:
1.08.29
